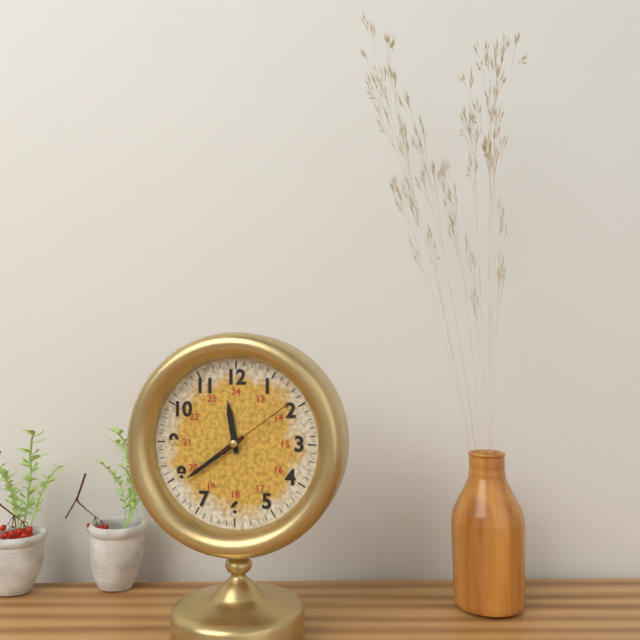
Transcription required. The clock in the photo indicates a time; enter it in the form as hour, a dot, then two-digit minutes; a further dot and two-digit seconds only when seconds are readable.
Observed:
11.39.09
